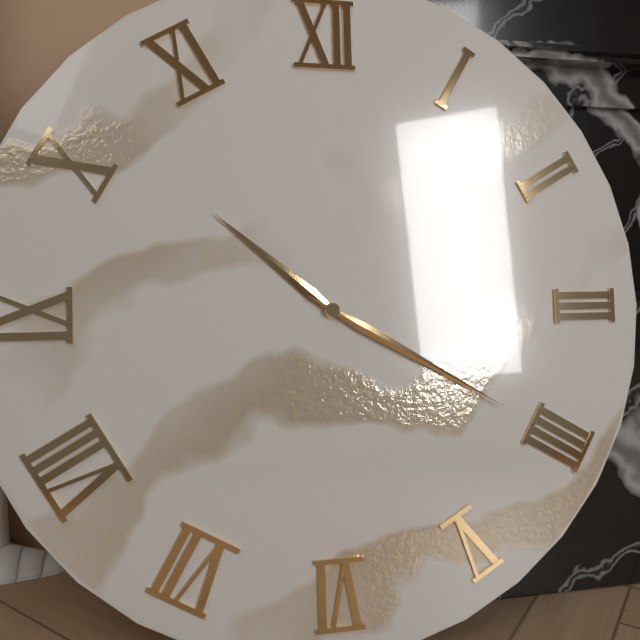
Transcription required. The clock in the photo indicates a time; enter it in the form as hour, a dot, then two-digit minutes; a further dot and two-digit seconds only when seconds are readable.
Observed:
10.20
